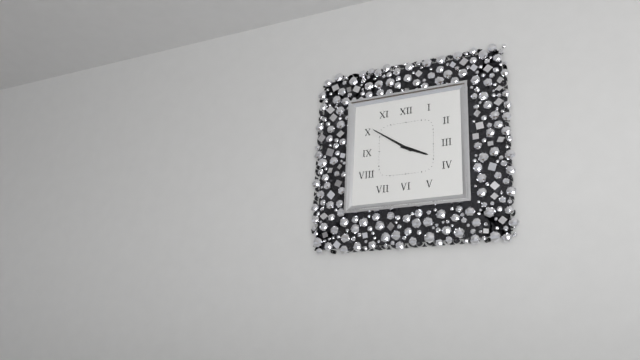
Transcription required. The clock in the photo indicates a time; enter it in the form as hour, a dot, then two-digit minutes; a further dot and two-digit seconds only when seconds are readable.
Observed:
3.51
